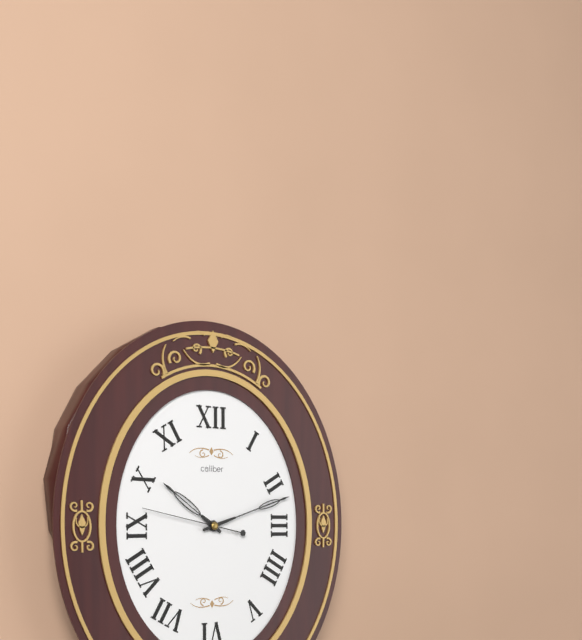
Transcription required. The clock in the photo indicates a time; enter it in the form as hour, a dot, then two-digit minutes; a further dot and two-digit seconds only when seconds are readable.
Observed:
10.12.47
